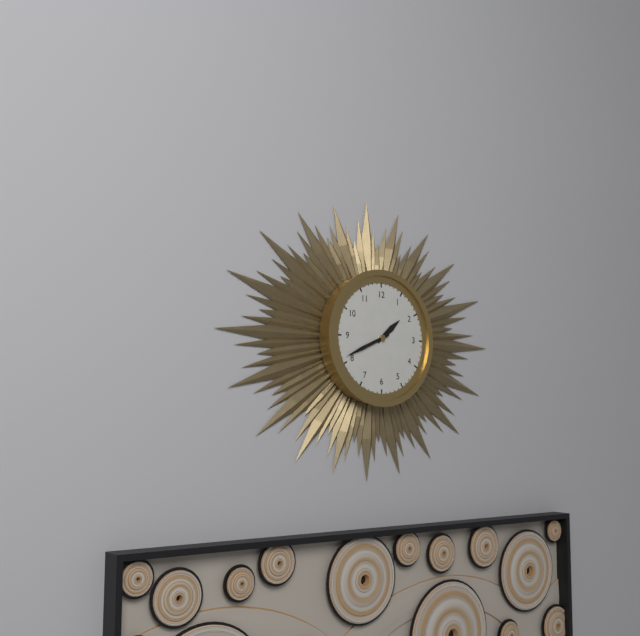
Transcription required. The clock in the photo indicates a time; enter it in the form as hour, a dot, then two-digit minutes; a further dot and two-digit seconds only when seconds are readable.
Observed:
1.41
